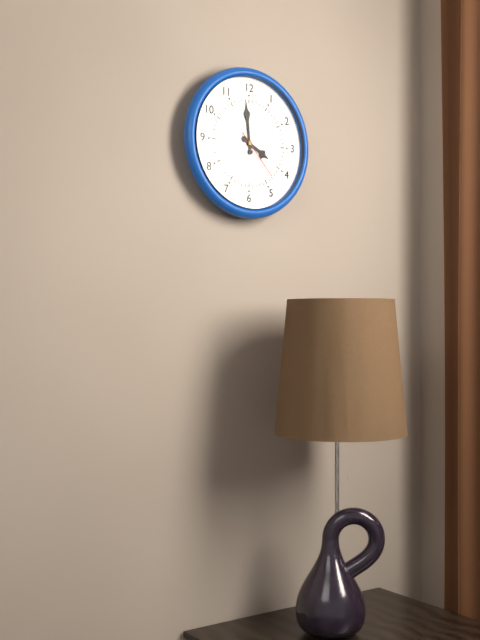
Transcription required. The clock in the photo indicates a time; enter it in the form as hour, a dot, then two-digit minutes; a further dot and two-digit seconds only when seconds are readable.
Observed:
3.59
